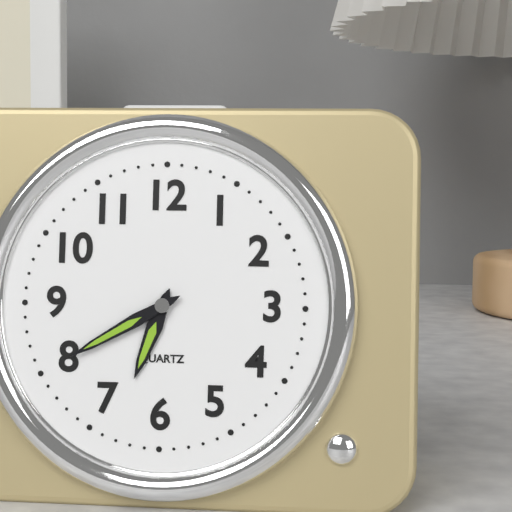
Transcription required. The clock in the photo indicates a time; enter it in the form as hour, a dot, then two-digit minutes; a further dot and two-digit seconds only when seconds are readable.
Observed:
6.40
